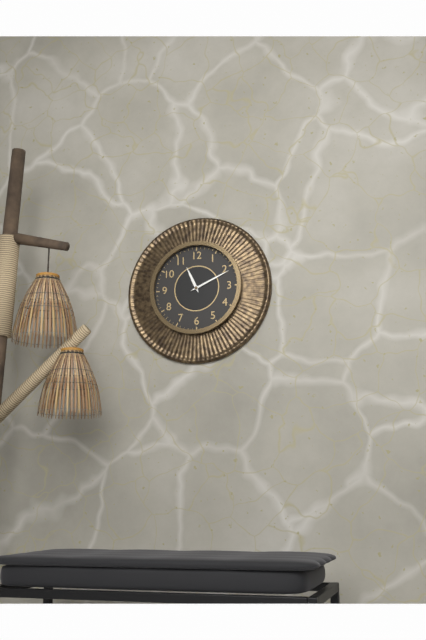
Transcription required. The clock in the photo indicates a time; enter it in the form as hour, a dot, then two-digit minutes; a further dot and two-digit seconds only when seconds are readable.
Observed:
11.11
